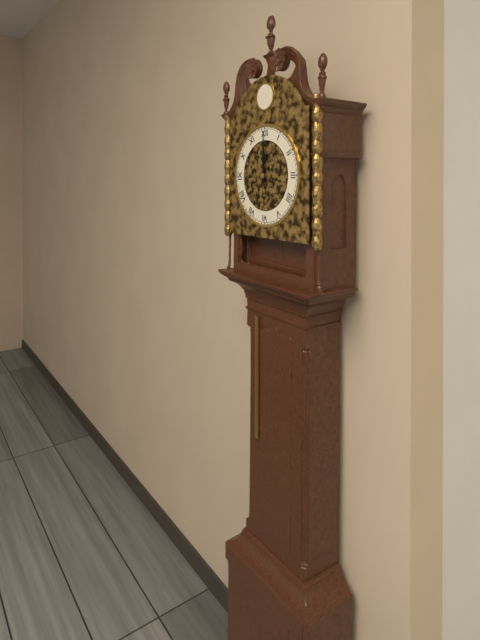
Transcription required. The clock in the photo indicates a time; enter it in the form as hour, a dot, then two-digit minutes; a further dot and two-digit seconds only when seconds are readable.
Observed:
12.00
